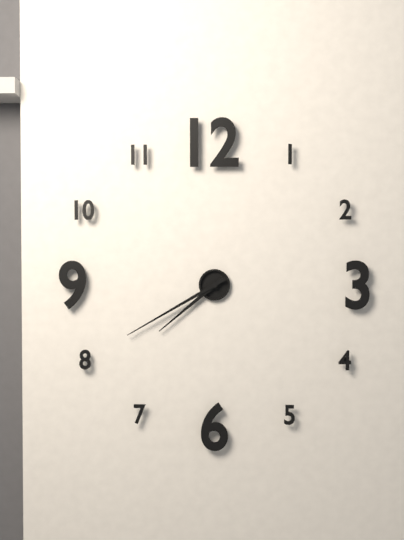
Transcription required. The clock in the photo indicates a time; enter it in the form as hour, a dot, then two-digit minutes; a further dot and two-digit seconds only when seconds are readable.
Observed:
7.40
